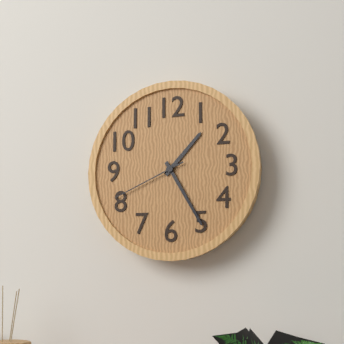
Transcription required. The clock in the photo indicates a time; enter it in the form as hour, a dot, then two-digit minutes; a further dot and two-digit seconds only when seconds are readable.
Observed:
1.25.41
